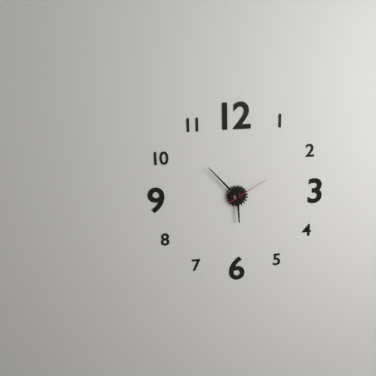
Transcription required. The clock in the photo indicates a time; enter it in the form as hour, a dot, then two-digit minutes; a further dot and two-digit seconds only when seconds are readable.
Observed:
5.53
